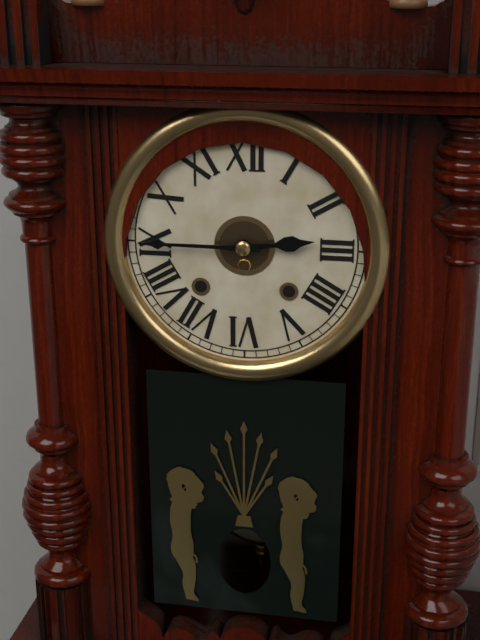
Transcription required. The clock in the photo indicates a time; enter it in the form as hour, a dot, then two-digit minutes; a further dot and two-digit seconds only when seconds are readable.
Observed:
2.45
